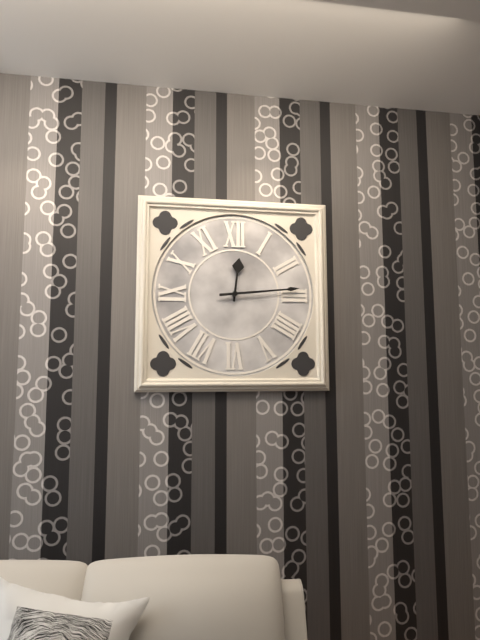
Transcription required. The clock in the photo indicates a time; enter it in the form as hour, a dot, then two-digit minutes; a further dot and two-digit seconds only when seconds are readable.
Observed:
12.14
